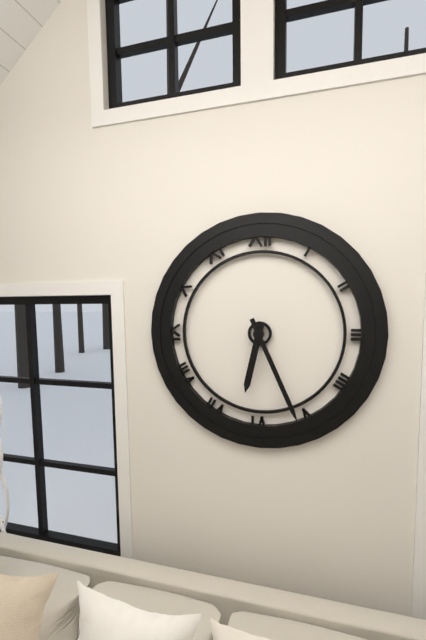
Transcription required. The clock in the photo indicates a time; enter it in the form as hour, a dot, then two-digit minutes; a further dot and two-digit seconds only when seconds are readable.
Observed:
6.26
